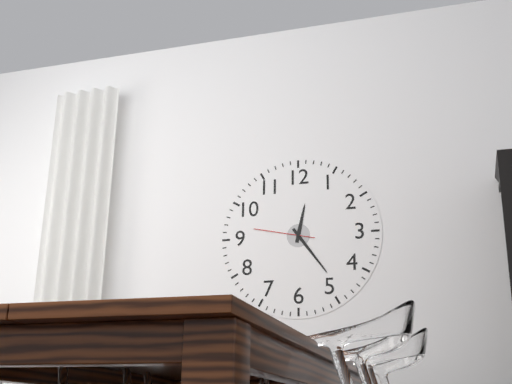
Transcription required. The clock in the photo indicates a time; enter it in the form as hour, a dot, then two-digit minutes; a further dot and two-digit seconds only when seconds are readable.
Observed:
12.24.47
